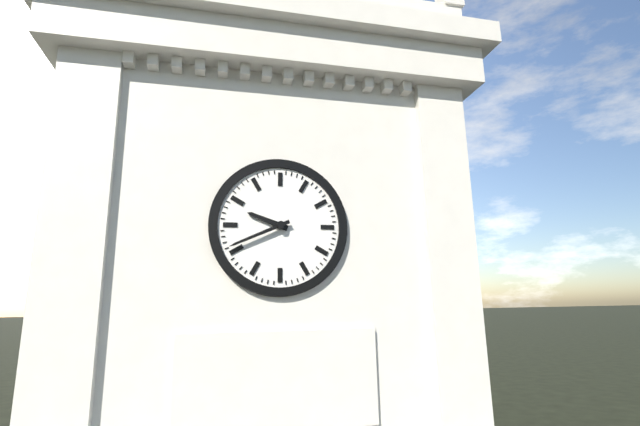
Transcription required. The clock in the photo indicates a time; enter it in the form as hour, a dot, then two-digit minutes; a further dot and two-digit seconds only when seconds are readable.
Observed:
9.41
